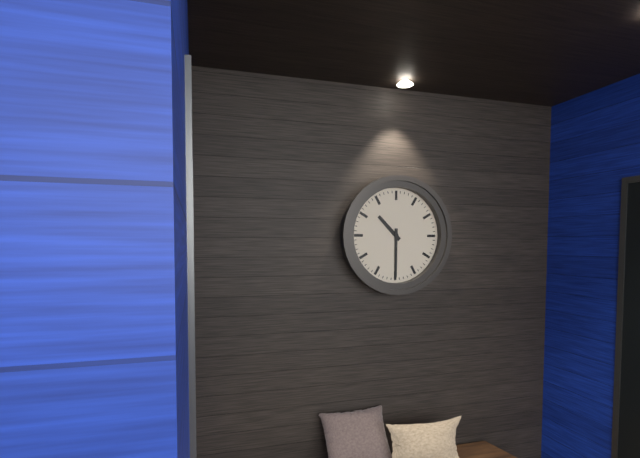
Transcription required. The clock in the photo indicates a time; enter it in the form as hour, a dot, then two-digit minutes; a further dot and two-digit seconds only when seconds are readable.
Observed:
10.30
